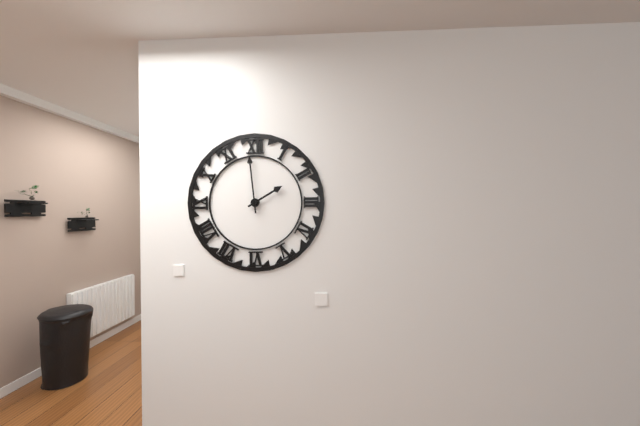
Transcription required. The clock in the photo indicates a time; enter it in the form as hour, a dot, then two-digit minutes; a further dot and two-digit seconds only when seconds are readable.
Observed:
1.59
